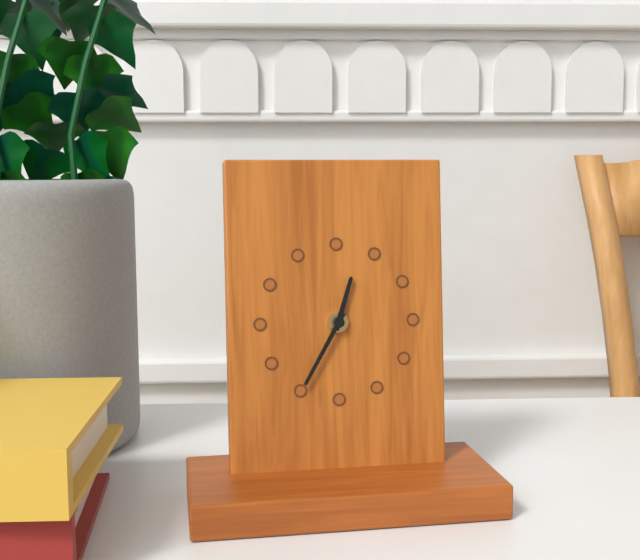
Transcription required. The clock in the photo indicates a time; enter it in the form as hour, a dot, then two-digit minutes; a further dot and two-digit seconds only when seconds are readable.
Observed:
12.35
